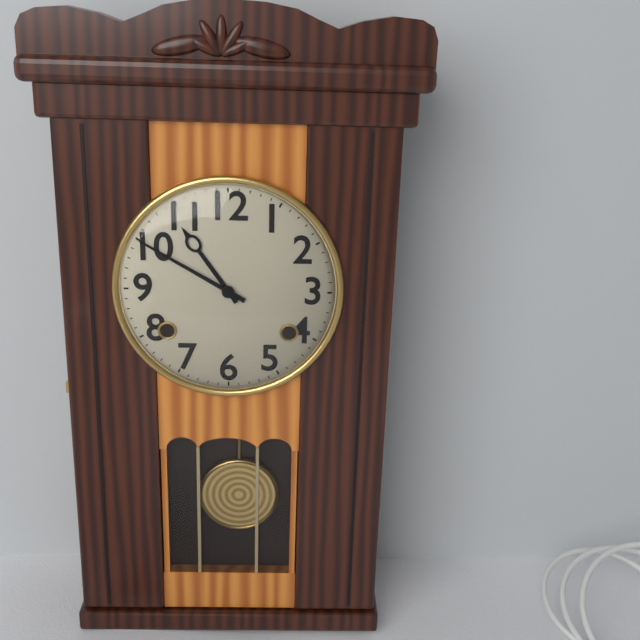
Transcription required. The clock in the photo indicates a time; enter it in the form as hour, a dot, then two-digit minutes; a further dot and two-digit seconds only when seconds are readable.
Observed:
10.50
